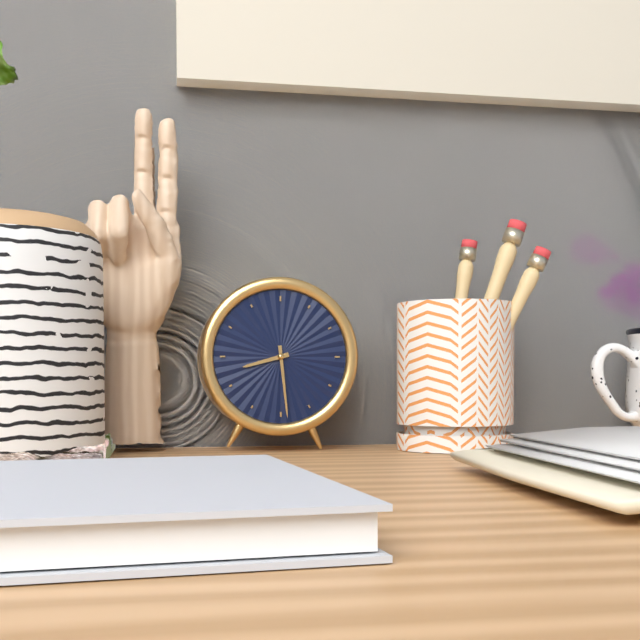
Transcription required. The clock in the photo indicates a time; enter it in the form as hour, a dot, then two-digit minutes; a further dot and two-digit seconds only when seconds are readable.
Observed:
8.29
